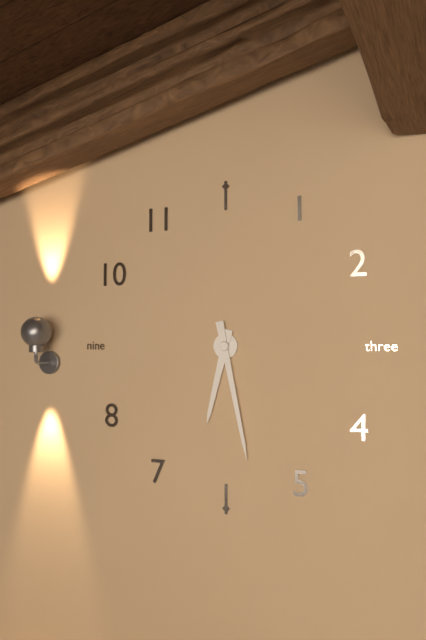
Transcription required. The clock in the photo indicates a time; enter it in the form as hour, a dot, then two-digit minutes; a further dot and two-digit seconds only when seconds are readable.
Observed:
6.28
